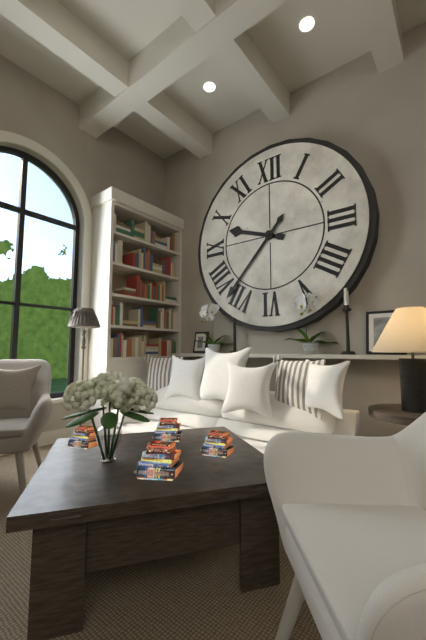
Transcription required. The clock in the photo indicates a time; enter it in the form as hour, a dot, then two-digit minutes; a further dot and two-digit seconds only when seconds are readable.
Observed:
9.37
